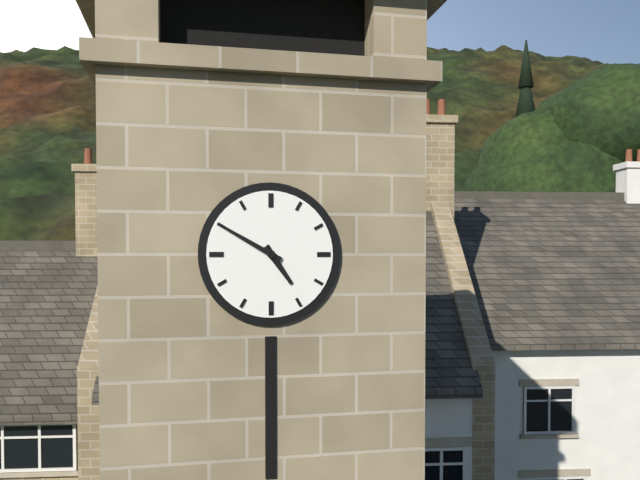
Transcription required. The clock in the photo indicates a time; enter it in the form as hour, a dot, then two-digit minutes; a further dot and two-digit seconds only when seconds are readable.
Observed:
4.50
